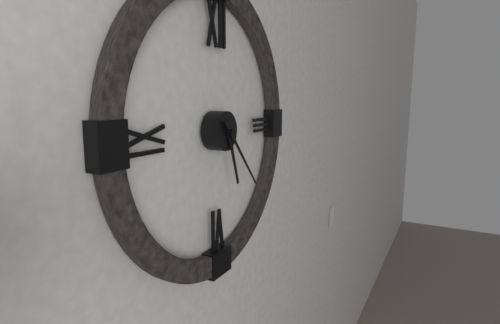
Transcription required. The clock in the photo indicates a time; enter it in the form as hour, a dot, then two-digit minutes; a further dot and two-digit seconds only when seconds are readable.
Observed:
5.23
